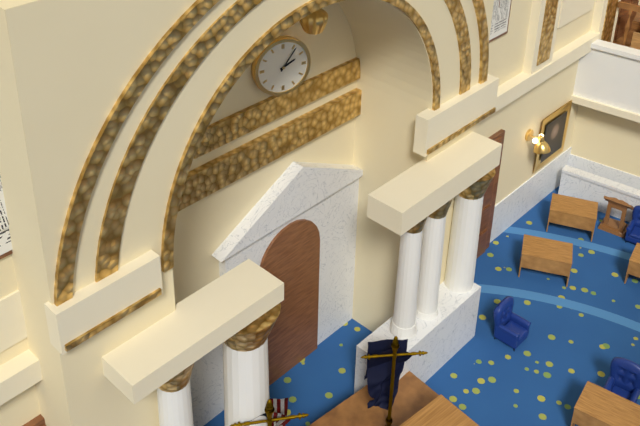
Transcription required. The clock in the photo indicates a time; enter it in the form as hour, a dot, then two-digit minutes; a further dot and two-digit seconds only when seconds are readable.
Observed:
2.06
